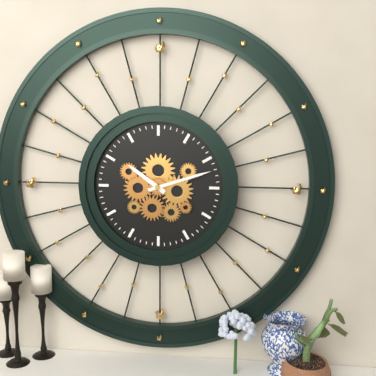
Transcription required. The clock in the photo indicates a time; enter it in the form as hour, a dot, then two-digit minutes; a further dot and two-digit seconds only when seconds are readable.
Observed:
10.12
